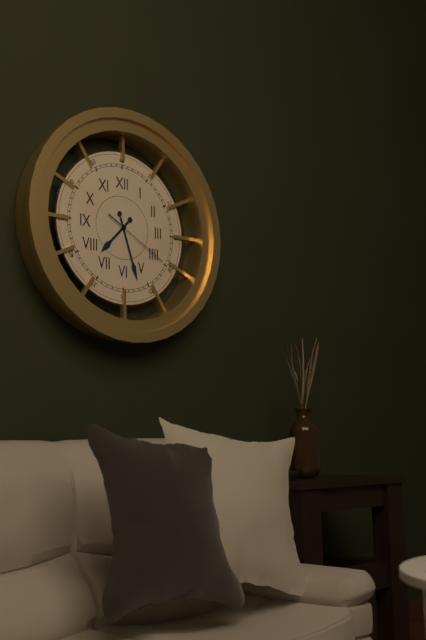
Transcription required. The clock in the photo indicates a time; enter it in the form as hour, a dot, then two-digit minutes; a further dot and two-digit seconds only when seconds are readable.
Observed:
7.27.20
